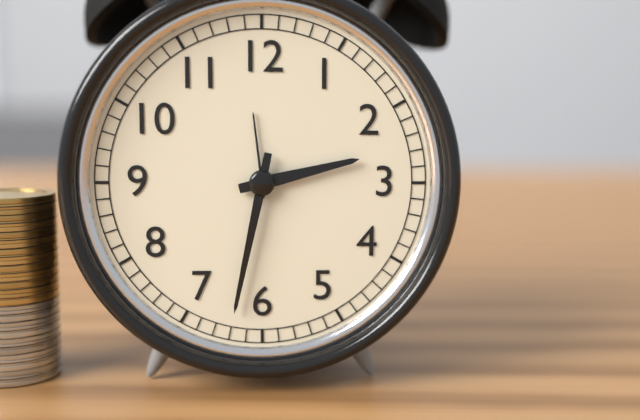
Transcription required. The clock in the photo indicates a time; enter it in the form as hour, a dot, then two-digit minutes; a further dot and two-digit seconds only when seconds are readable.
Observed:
2.32
